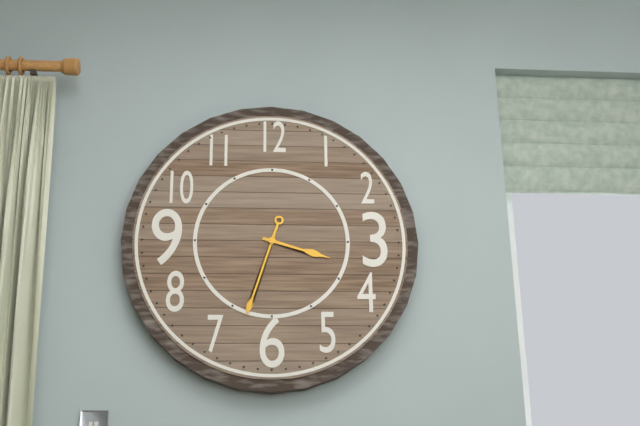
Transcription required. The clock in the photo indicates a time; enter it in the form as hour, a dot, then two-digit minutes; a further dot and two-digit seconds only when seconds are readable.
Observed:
3.33
